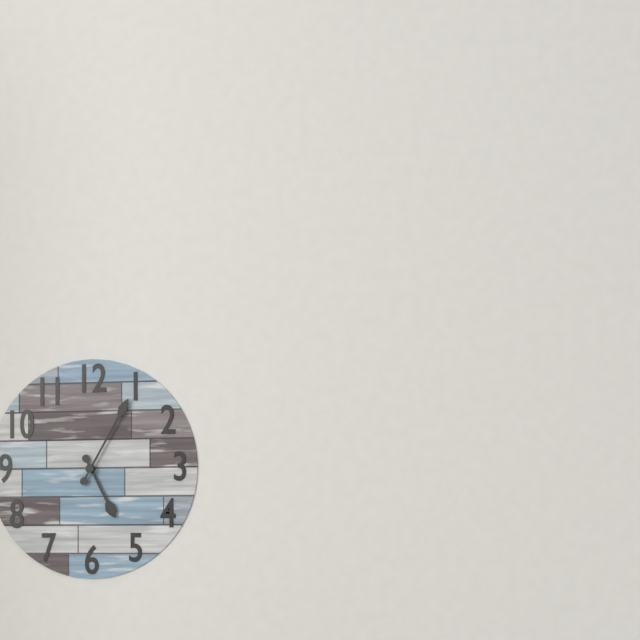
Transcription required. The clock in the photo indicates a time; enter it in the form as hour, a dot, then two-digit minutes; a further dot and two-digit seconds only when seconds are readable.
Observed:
5.05
